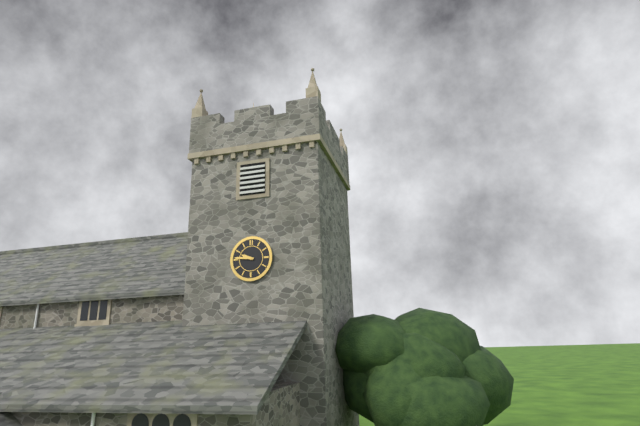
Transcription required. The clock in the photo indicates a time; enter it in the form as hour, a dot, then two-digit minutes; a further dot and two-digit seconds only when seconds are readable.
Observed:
9.46
